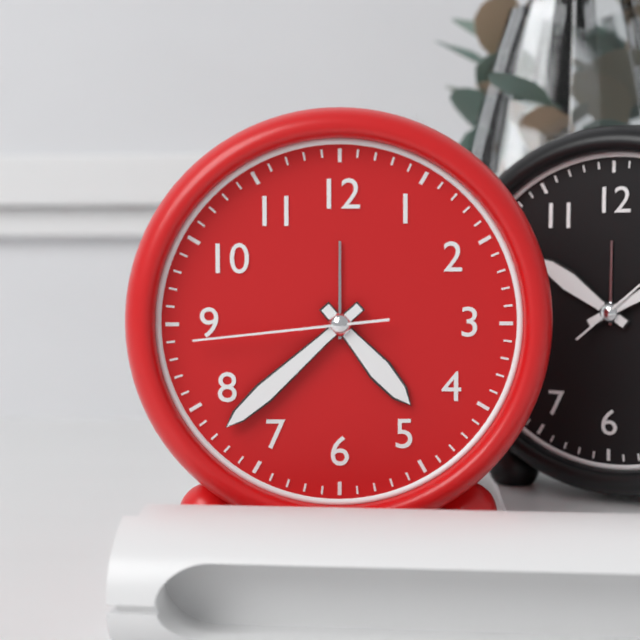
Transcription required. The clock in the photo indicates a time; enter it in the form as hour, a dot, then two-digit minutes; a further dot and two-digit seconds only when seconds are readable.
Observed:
4.38.44
